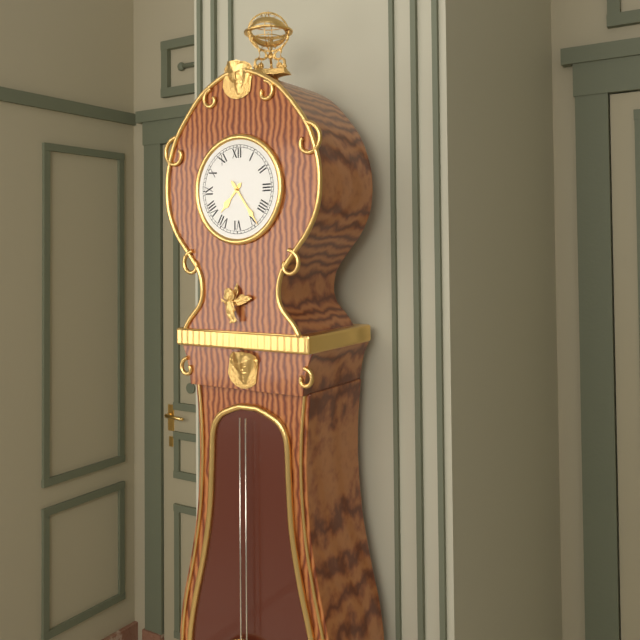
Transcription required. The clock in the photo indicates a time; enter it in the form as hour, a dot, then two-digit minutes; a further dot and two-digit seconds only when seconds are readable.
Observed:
7.24
